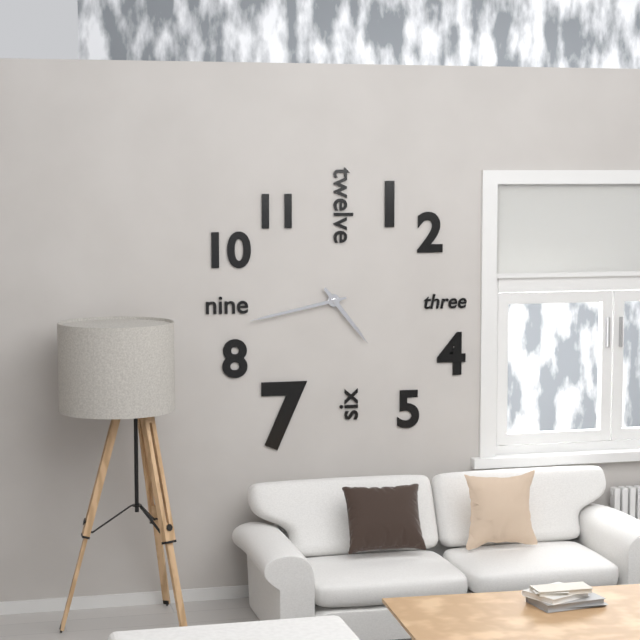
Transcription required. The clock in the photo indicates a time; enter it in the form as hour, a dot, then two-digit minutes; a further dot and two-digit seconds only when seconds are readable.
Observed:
4.43
